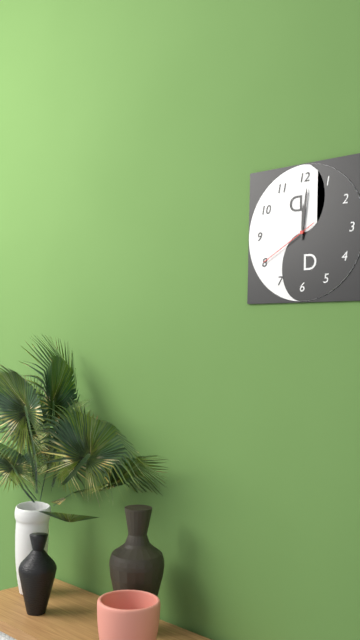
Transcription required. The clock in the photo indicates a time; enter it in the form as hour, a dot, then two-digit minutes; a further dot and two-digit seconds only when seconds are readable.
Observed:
12.01.40
